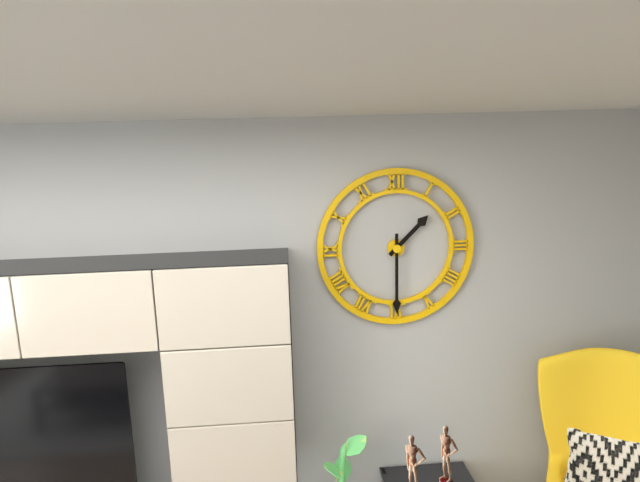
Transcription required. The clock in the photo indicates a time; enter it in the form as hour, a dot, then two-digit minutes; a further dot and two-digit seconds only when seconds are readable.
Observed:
1.30
